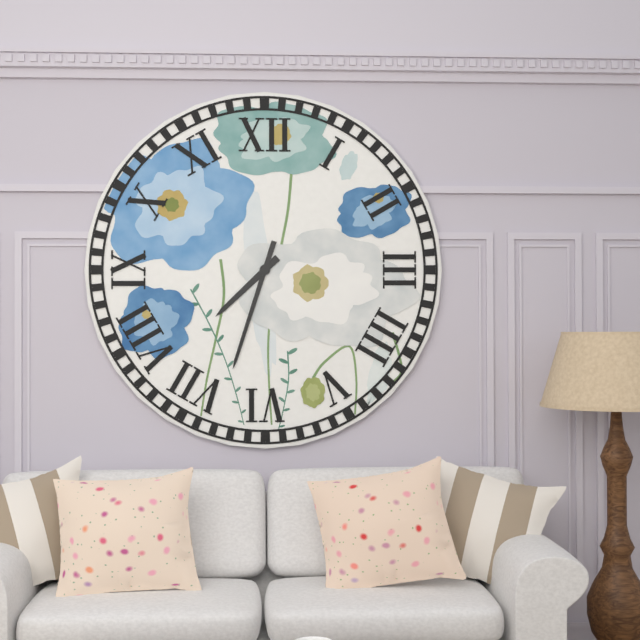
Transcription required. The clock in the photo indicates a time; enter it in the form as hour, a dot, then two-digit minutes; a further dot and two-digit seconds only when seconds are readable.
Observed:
7.33
